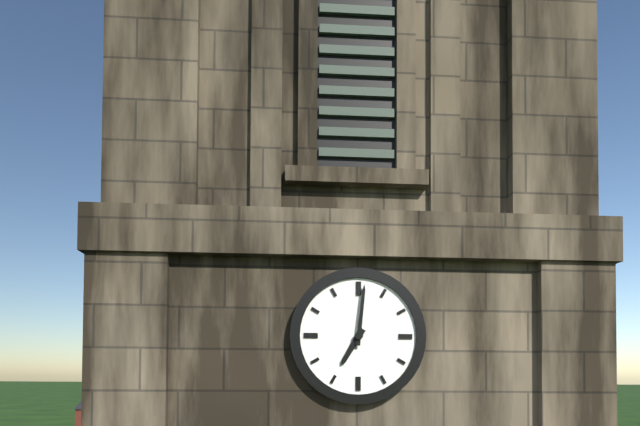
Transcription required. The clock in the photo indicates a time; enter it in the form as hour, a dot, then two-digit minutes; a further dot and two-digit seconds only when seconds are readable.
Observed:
7.01
